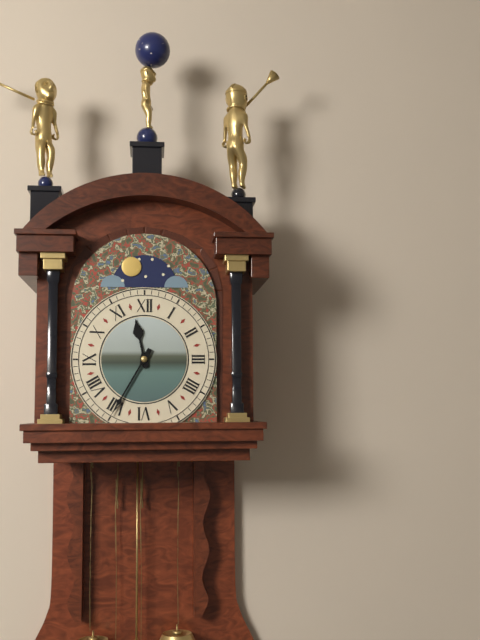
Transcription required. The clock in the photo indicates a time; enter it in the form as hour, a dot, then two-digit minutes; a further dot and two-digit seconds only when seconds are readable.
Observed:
11.35
